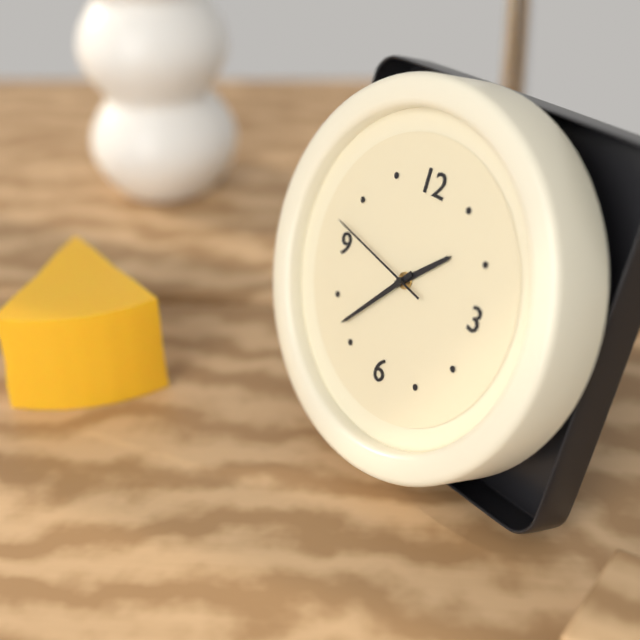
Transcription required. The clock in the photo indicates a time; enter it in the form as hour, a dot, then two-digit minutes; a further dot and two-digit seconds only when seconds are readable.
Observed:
1.37.47
